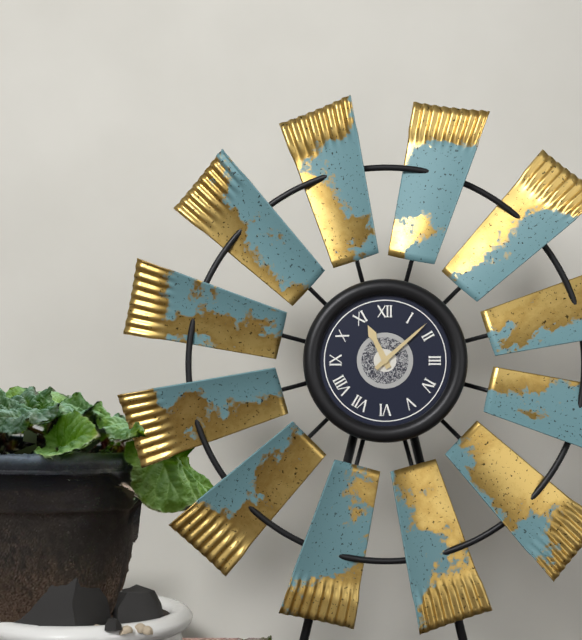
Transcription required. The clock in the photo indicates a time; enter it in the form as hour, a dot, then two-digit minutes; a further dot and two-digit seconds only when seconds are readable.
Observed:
11.08
